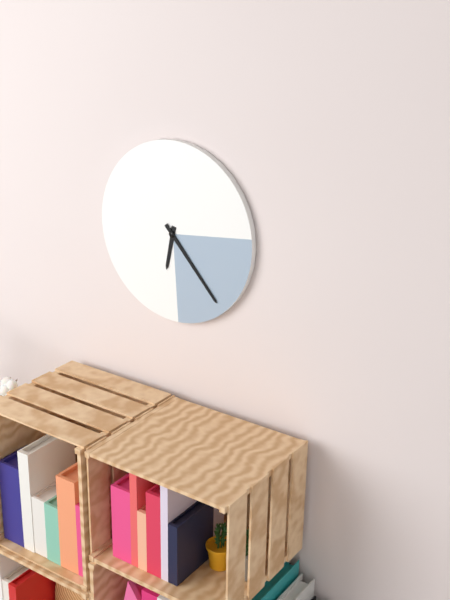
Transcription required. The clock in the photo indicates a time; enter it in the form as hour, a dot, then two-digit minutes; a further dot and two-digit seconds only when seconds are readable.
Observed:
6.23
